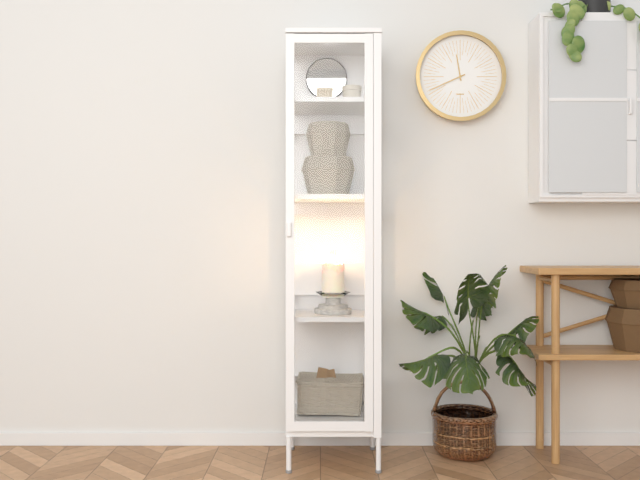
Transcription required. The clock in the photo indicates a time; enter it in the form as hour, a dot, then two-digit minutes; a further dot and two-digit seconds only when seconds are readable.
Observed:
11.41
